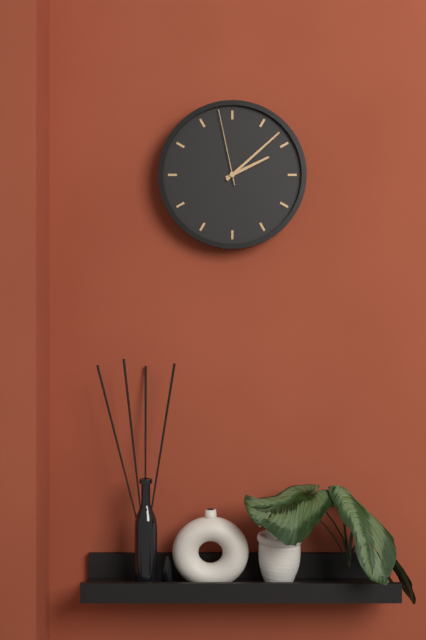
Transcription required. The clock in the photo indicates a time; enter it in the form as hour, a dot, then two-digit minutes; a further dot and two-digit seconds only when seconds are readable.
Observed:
2.08.58
